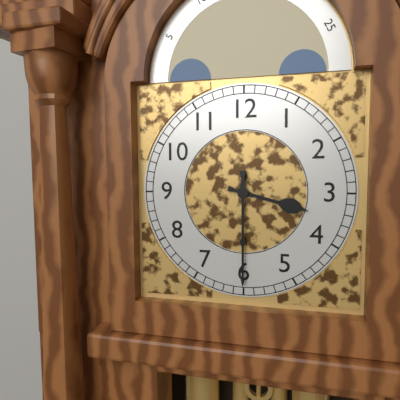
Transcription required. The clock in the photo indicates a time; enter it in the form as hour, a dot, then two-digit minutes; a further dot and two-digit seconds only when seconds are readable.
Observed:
3.30
